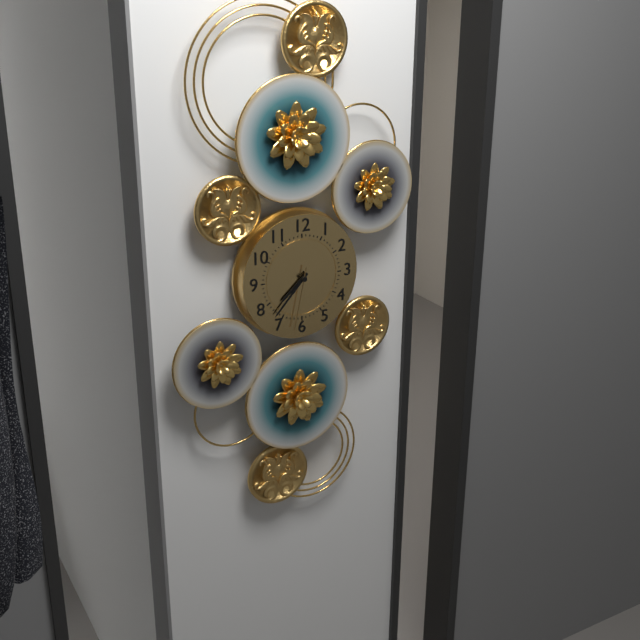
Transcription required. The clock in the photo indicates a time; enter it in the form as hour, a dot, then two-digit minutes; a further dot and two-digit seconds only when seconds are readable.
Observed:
7.37.32
